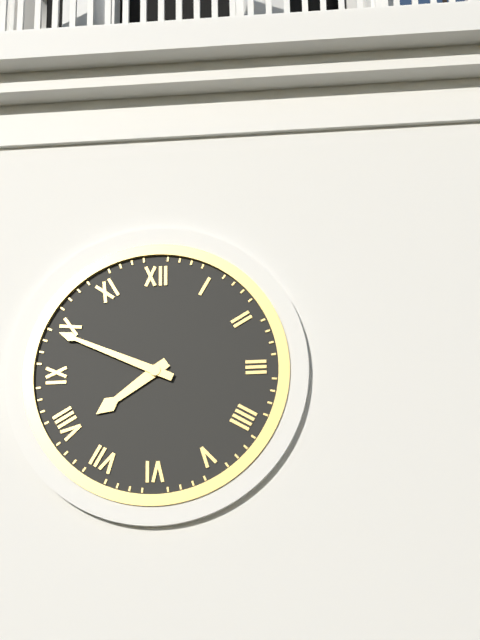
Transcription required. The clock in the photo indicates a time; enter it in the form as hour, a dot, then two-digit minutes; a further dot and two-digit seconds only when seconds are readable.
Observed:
7.49
